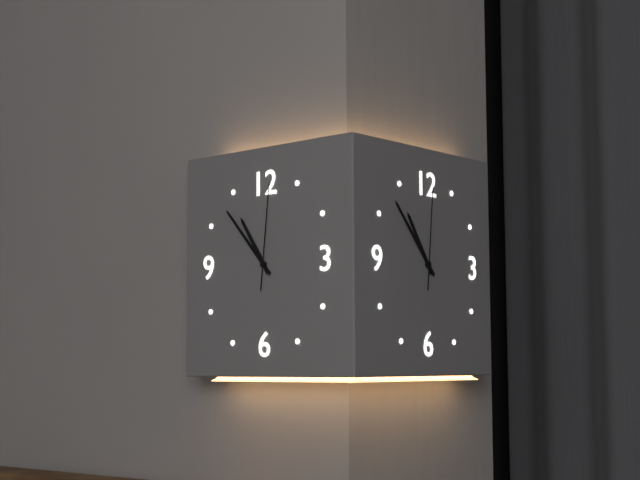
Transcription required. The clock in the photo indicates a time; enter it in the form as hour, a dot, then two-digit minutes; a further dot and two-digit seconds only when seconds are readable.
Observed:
10.53.01
